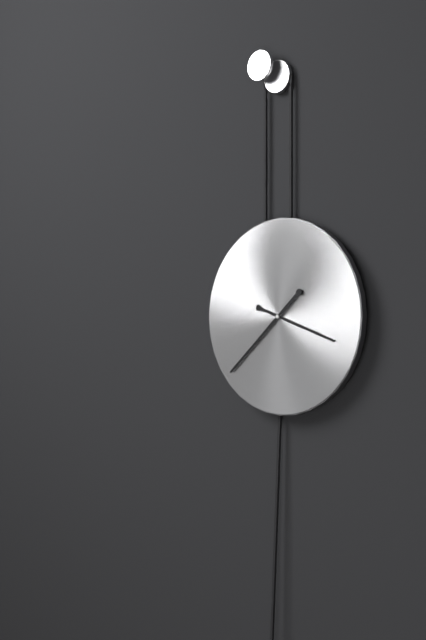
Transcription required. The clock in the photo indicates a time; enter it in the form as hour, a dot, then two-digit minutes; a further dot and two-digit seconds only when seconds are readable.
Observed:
3.38
